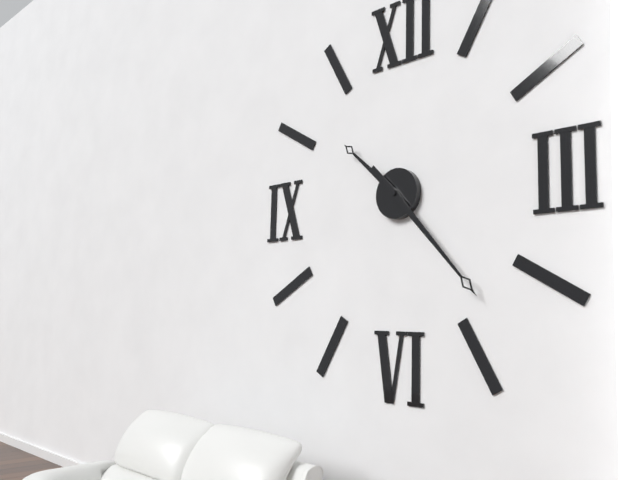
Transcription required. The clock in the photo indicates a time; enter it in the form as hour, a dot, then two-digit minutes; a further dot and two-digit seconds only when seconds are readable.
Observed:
10.23
